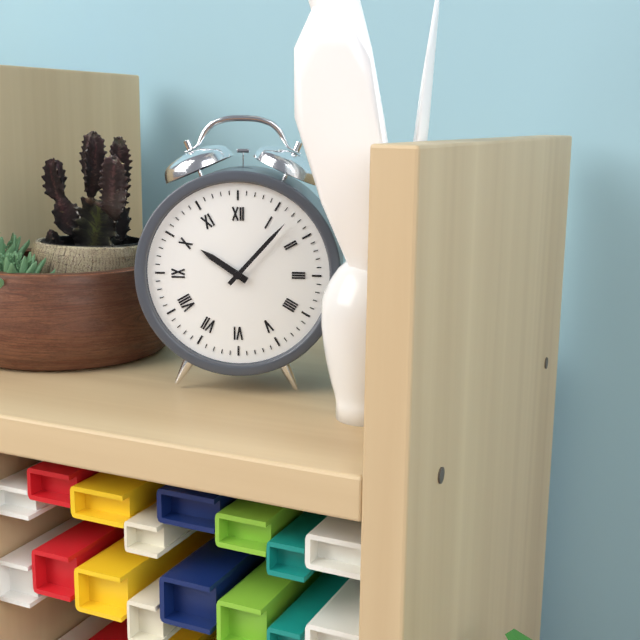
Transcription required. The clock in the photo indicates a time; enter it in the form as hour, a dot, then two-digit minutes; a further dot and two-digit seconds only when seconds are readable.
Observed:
10.07
